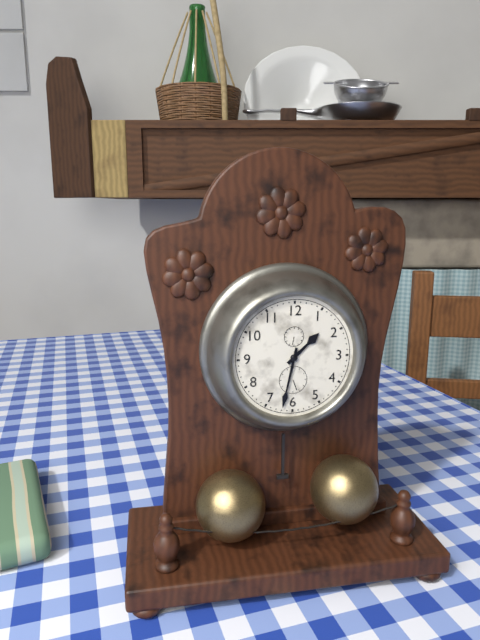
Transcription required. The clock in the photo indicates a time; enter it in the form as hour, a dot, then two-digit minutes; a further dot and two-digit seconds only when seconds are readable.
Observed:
1.32
